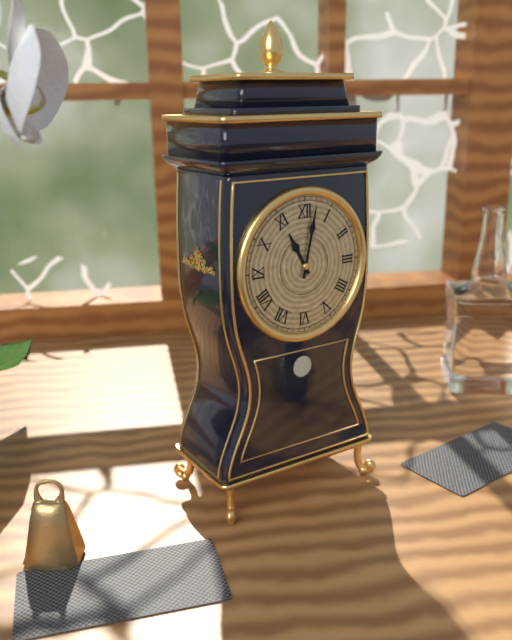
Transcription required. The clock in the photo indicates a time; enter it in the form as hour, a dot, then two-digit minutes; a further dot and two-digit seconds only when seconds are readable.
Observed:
11.02
